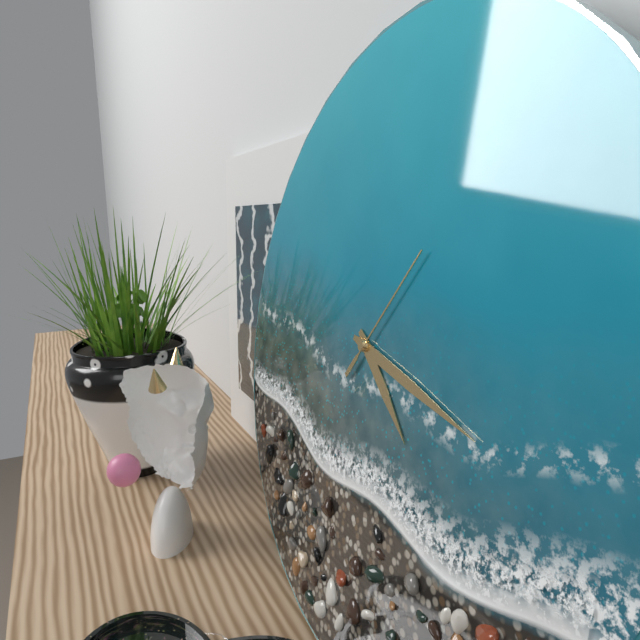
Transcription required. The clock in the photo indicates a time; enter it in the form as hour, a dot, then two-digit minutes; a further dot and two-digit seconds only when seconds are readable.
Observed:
4.17.06
